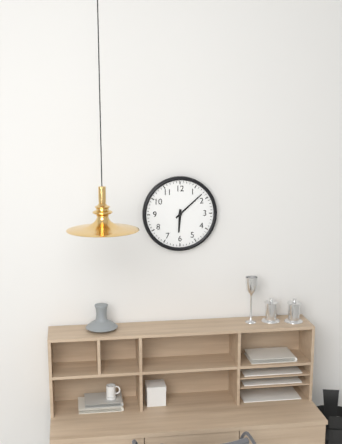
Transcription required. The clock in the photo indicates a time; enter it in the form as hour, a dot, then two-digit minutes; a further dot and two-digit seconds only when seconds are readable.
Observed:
6.08
